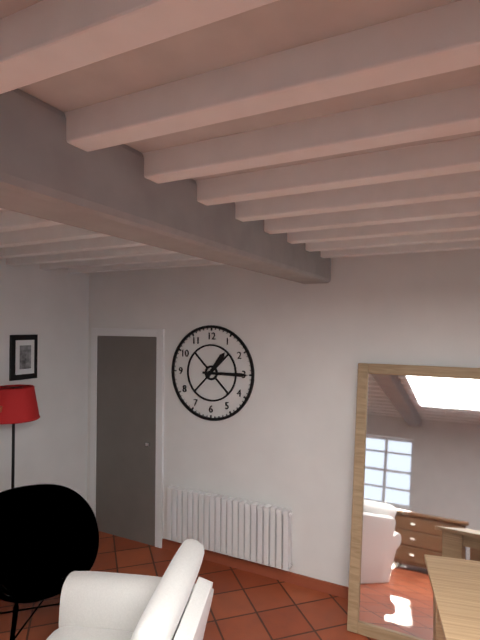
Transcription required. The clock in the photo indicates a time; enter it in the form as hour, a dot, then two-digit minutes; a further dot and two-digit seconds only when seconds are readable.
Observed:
1.15
